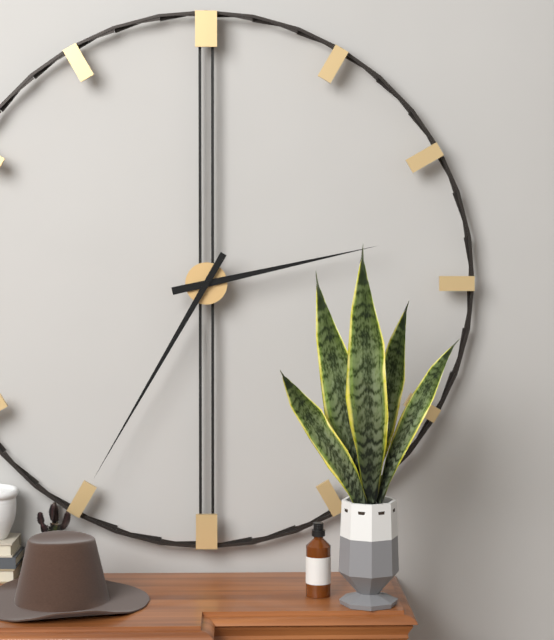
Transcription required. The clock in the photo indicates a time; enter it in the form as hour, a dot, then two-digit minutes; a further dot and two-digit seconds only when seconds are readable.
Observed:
2.35
